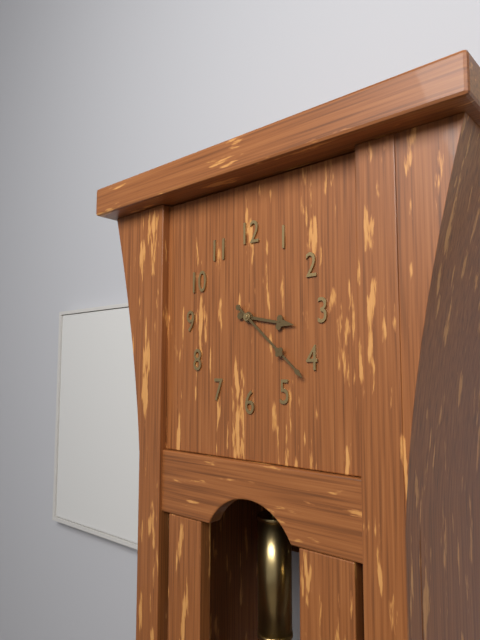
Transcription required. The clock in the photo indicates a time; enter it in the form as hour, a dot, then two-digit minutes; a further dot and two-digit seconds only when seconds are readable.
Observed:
3.22
